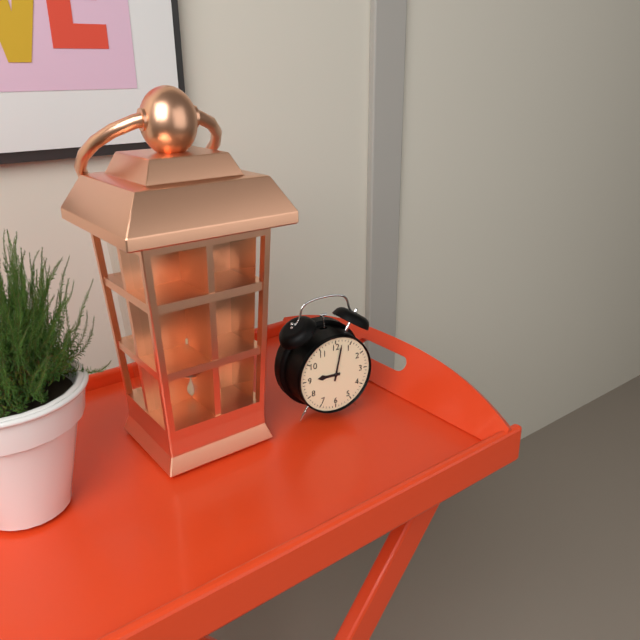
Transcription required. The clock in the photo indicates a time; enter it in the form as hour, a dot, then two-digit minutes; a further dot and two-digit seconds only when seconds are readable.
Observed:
9.02
